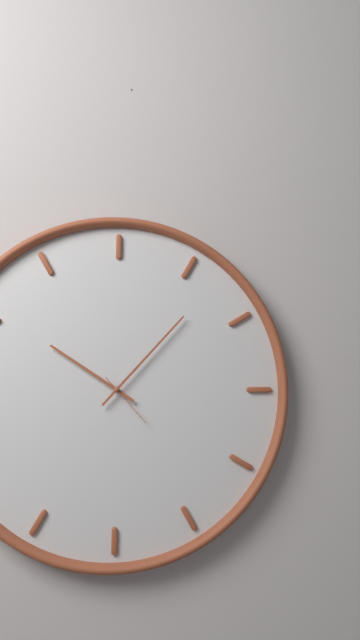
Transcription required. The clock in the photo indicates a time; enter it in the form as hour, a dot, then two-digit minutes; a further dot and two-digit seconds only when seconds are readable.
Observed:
10.07.23
